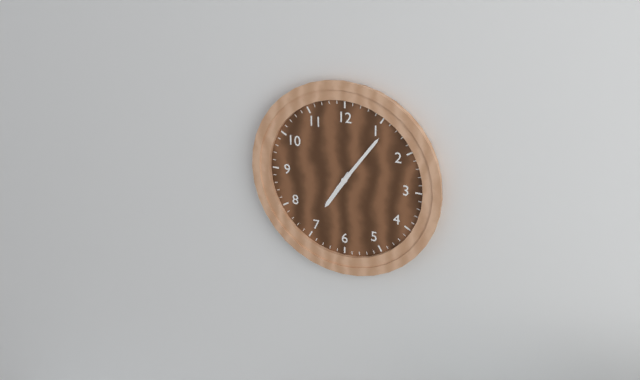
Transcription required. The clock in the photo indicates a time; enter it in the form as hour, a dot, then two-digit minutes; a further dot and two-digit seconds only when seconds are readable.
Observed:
7.06
